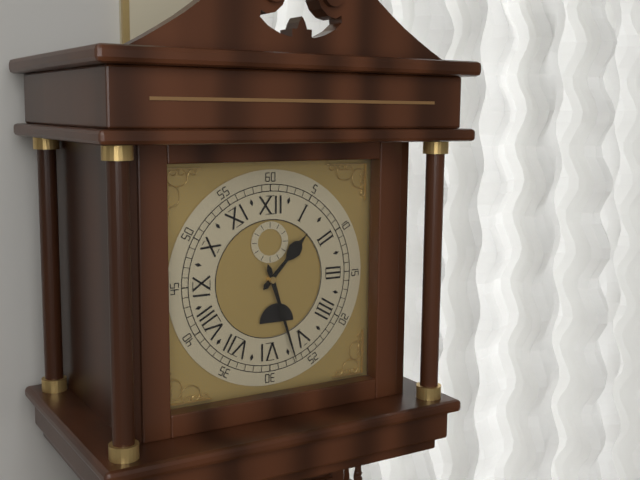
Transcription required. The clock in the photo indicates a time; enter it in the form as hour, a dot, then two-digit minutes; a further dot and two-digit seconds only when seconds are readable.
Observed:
1.27
